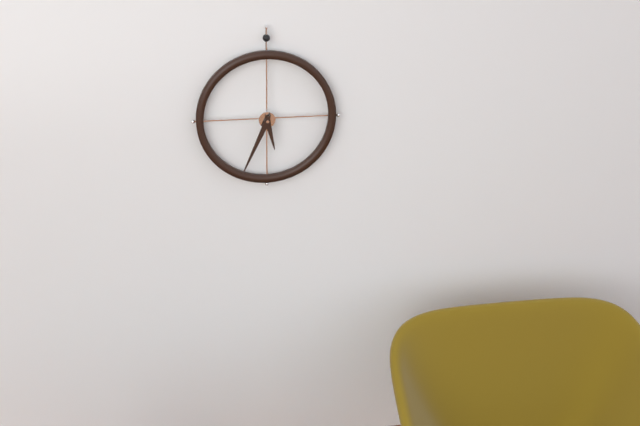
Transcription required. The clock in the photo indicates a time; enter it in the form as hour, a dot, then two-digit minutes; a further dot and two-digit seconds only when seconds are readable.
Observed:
5.34
